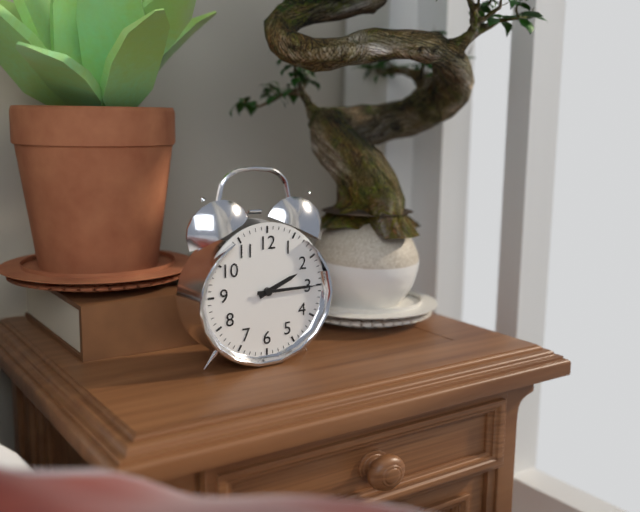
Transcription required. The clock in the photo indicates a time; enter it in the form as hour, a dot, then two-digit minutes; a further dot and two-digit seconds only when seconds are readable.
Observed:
2.15
